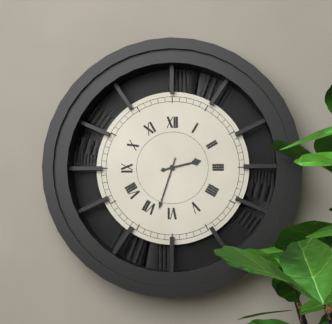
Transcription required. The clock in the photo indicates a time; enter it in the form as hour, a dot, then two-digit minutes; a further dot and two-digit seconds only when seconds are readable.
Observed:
2.33
